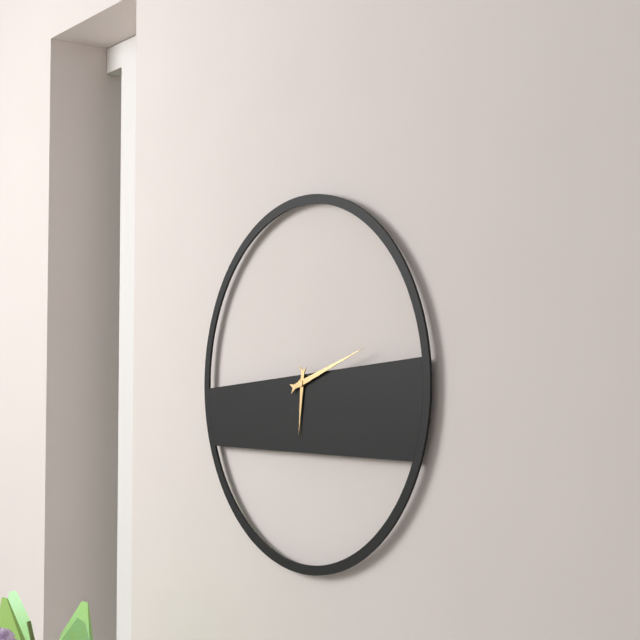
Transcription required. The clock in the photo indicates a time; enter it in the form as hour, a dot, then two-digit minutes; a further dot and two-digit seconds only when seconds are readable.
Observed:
6.12
